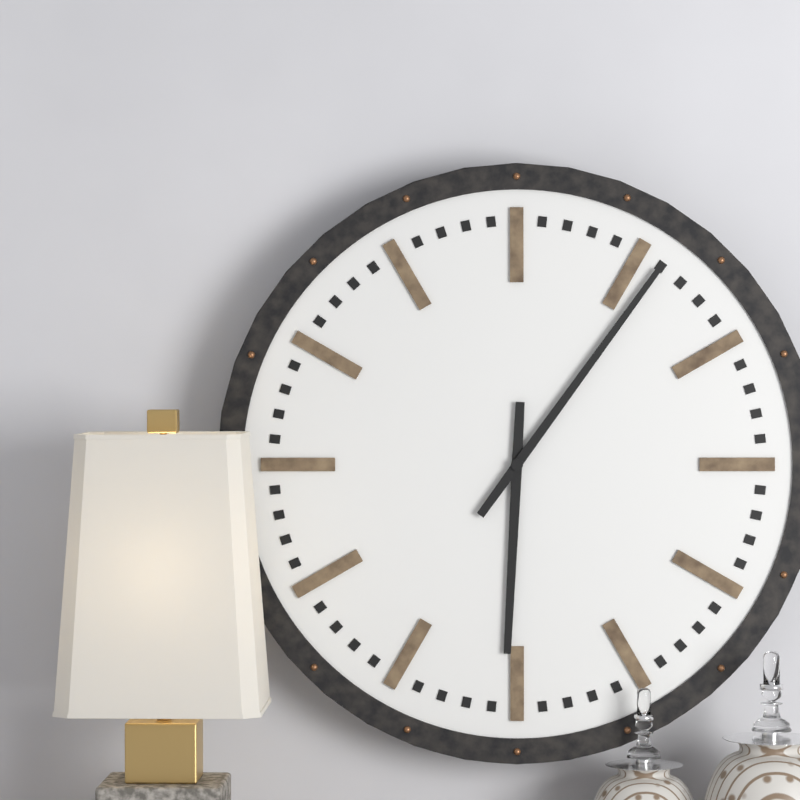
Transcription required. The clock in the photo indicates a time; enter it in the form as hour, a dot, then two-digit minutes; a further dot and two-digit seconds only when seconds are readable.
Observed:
6.06
